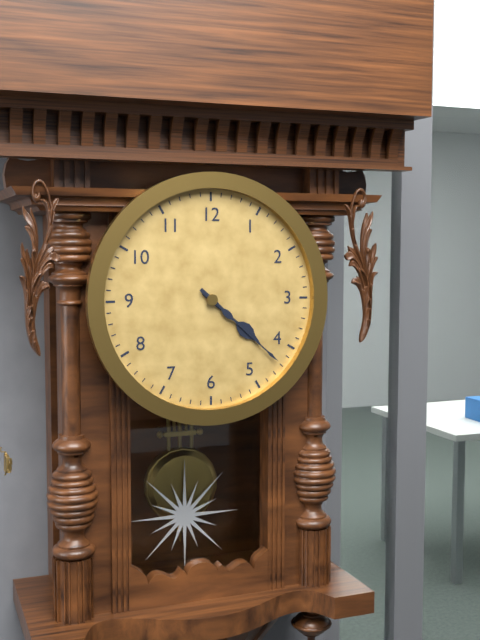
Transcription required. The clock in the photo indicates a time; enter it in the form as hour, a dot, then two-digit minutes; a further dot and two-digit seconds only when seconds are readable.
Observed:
4.22
